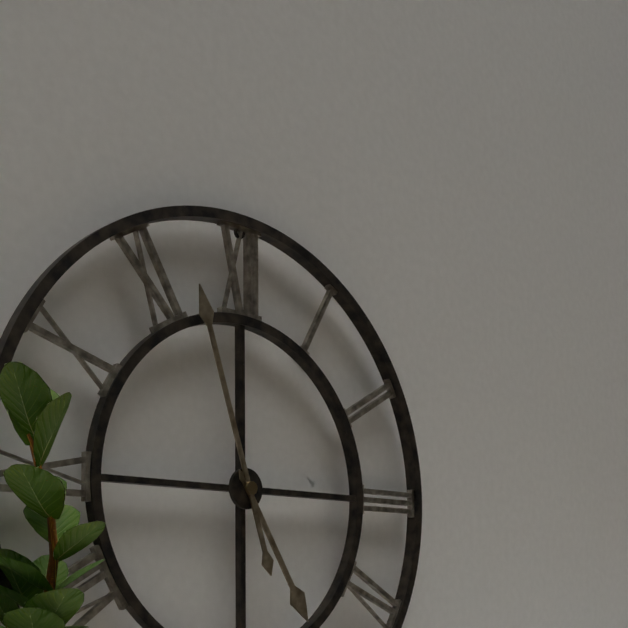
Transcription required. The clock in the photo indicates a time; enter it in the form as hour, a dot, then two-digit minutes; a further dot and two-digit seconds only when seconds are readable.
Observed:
4.57
